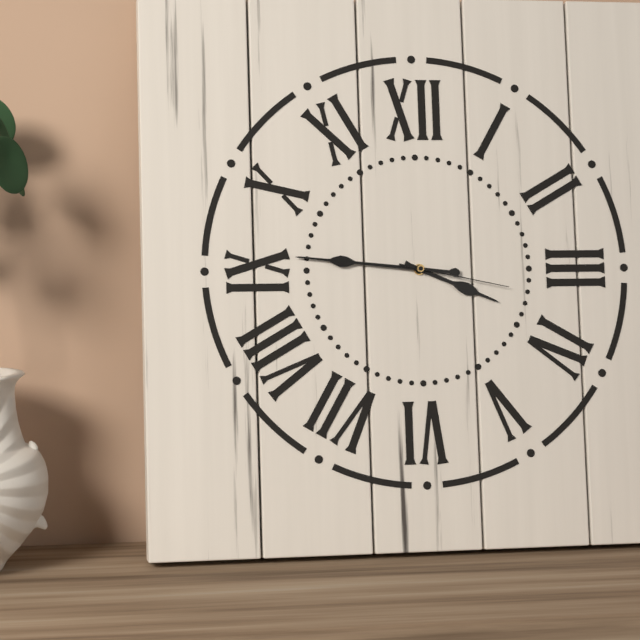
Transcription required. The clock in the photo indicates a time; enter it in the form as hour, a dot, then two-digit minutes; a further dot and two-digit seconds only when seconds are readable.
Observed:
3.46.17
